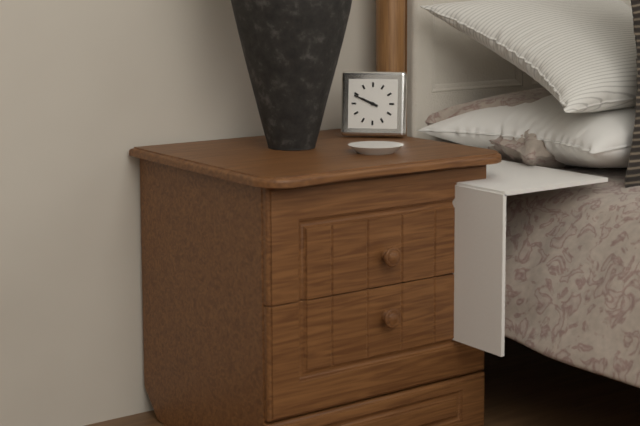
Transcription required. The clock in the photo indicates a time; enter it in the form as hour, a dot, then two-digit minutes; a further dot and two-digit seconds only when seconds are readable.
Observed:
9.49
